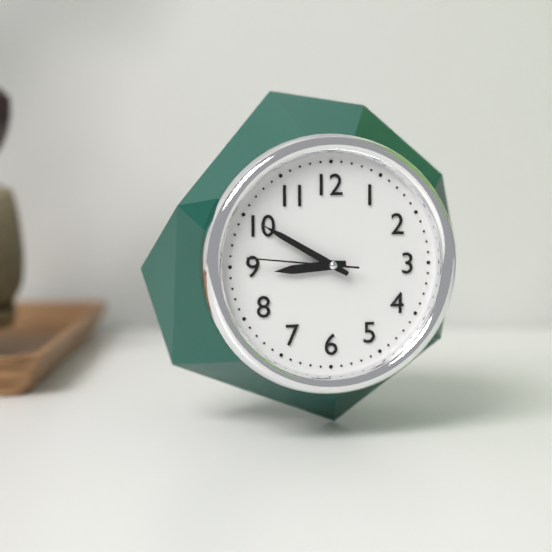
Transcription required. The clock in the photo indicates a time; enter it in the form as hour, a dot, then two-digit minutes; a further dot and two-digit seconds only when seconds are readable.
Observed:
8.50.46
